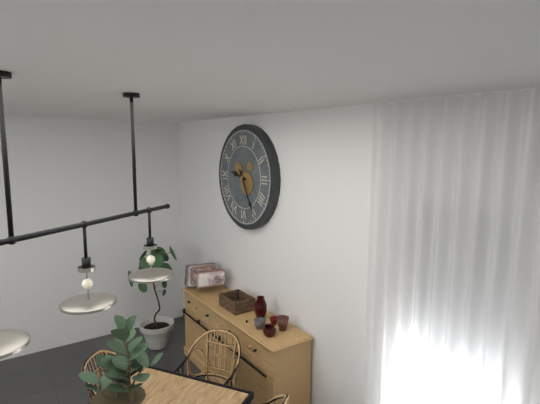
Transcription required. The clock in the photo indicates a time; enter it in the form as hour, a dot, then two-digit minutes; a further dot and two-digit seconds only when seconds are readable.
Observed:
9.25
